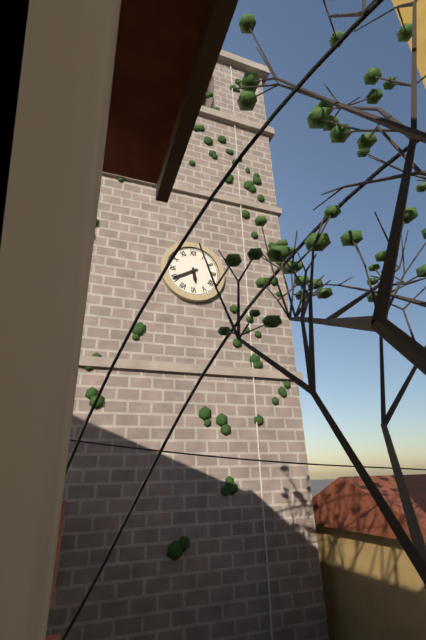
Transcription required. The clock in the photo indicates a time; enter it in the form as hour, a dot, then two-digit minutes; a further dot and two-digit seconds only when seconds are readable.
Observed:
5.40
